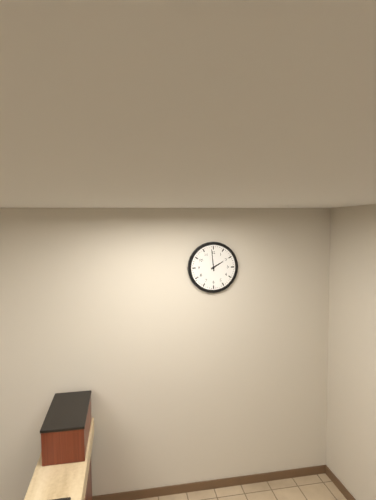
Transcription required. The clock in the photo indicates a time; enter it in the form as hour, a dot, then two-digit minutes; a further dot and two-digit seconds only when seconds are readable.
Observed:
1.59
